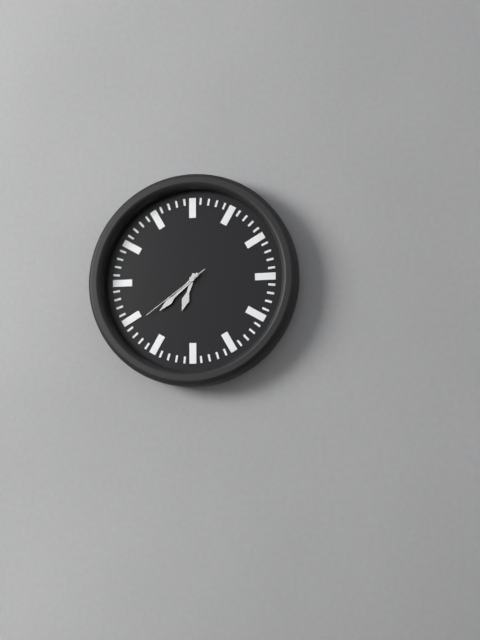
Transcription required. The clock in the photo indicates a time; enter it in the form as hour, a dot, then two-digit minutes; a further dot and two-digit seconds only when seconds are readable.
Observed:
6.38.39
